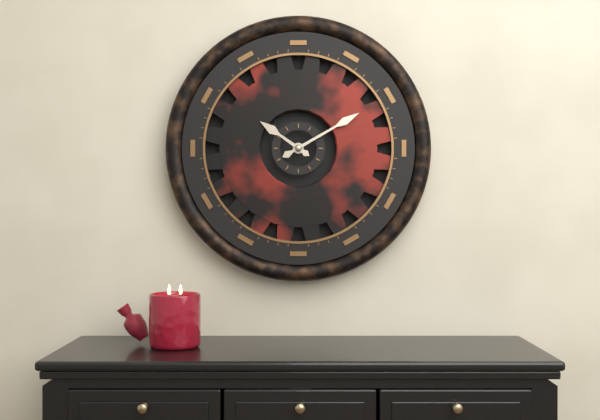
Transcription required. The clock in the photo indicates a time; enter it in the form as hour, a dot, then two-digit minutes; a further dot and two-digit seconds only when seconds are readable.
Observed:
10.10
